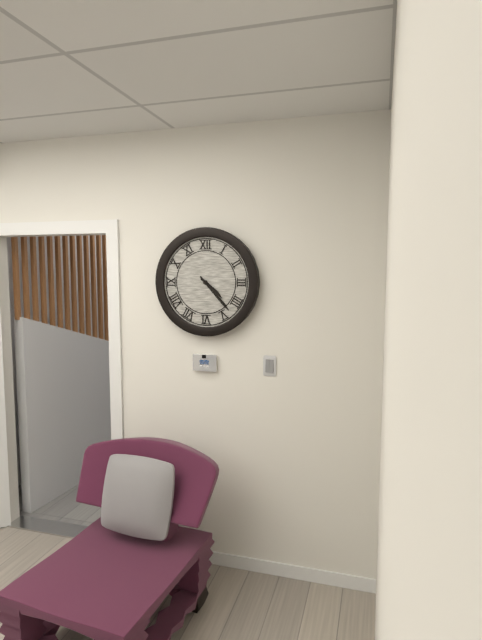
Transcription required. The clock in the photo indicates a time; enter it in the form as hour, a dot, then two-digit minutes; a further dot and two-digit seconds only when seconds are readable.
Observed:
4.23
